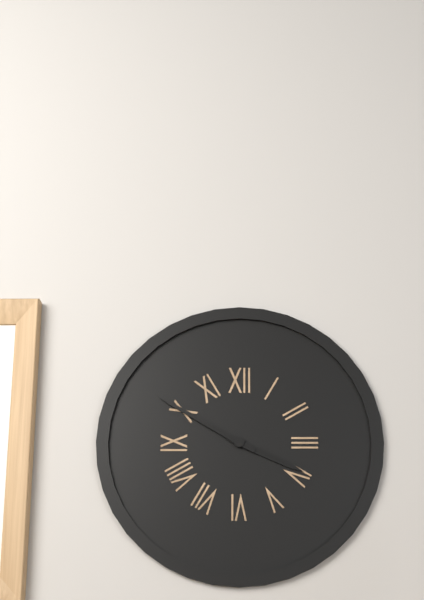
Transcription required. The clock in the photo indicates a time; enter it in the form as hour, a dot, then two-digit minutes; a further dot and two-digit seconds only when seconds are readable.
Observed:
3.50
